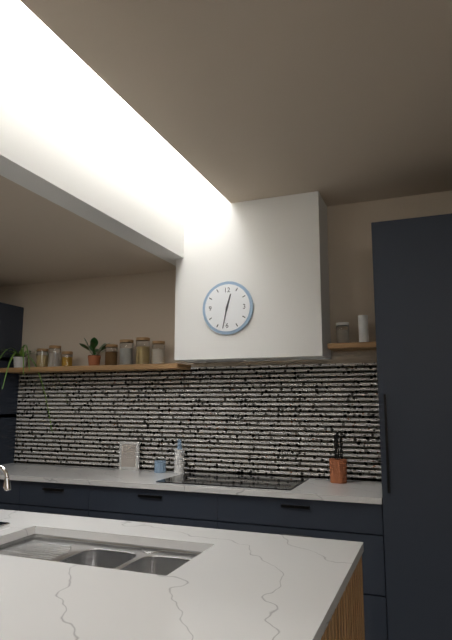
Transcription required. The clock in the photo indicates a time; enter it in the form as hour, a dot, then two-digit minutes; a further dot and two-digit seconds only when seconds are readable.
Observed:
12.32
